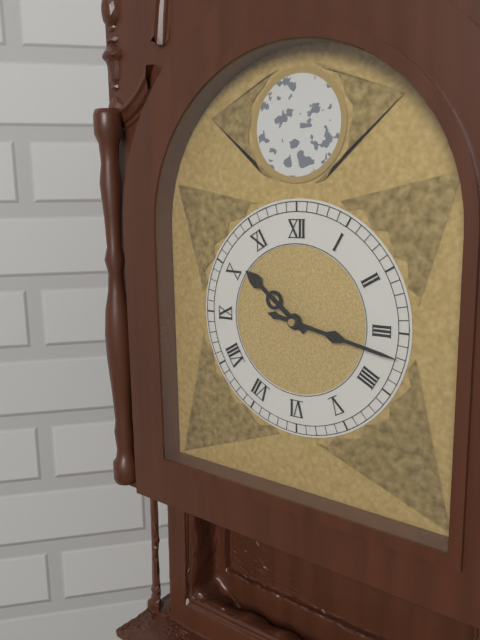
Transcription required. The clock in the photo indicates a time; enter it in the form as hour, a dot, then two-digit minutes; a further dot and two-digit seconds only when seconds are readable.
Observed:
10.17
